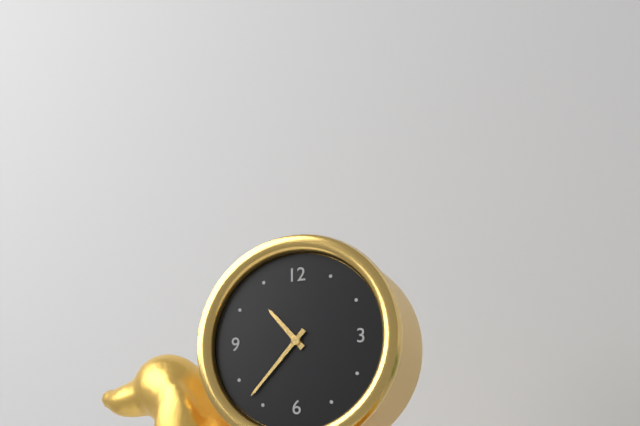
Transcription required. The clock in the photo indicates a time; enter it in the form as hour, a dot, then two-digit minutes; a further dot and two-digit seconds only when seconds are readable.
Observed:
10.37
